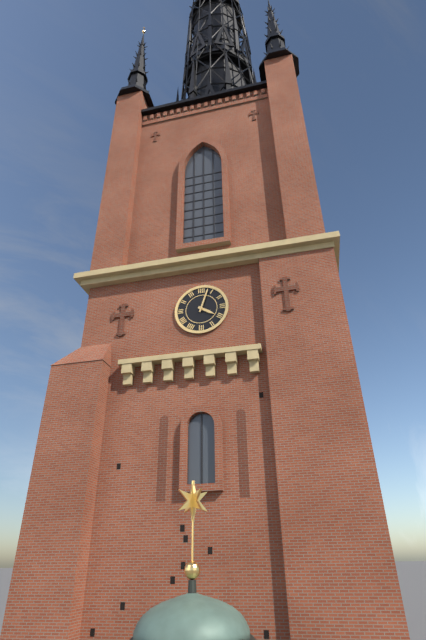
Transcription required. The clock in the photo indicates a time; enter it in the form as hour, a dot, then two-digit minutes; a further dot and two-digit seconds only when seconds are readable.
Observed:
4.03
